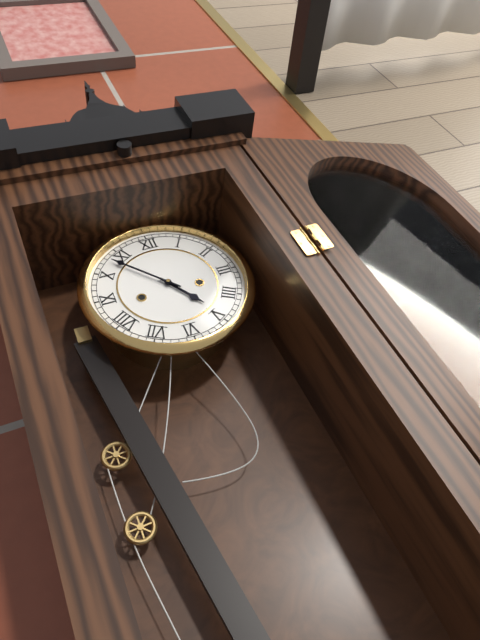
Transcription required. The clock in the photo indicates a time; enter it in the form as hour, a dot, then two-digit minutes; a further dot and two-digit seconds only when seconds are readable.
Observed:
4.53
